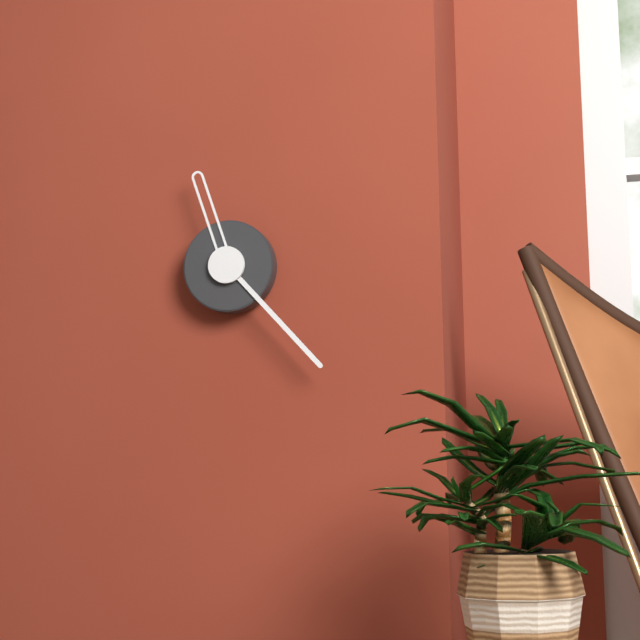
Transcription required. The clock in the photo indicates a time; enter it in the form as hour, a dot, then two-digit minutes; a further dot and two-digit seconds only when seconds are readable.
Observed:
11.23
